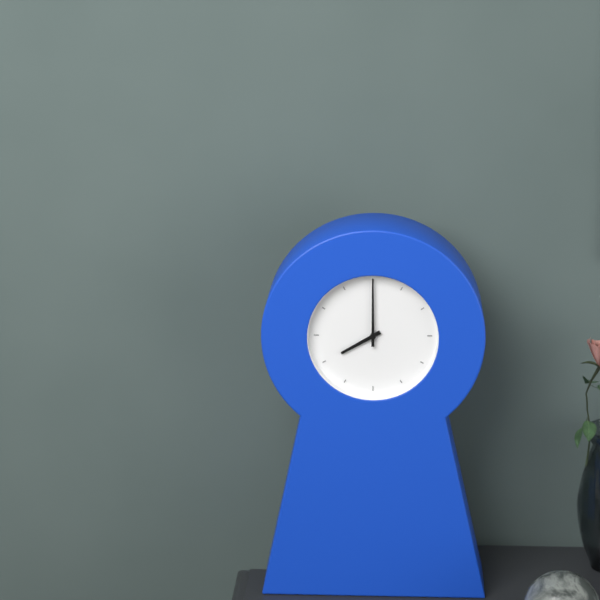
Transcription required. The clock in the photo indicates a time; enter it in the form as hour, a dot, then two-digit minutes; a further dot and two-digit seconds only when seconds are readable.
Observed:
8.00
